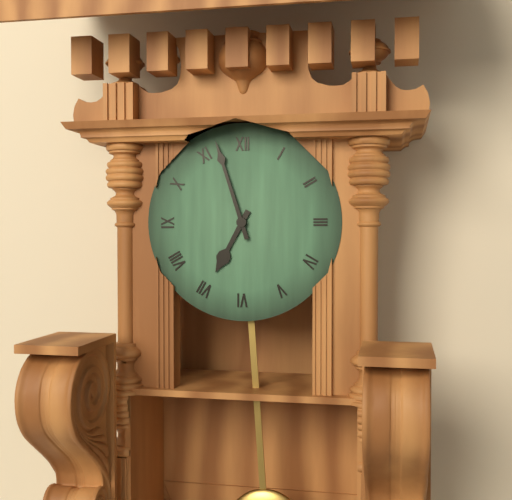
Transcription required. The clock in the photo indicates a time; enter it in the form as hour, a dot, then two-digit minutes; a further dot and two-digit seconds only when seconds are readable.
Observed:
6.57
